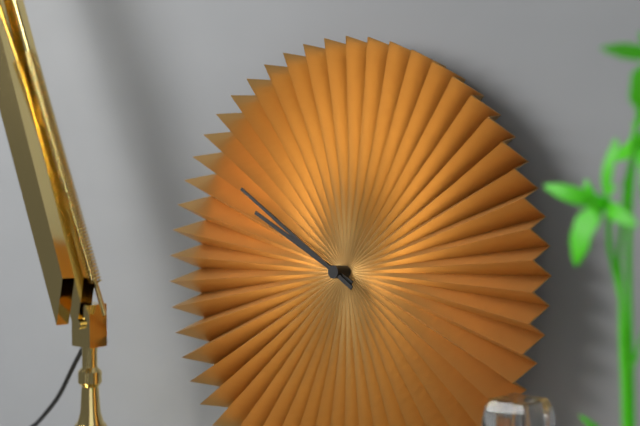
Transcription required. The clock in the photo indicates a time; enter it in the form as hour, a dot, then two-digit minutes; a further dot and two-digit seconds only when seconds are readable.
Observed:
9.50
